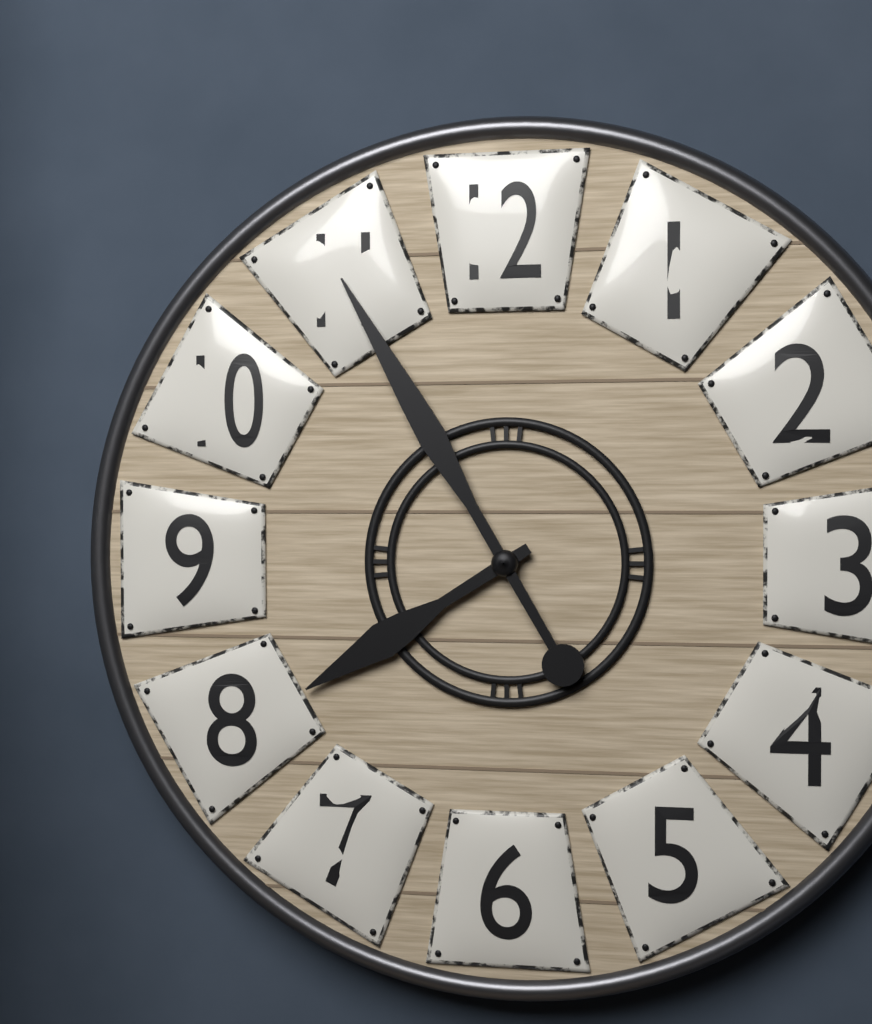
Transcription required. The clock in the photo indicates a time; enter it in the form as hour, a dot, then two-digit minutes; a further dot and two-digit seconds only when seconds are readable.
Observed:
7.55
